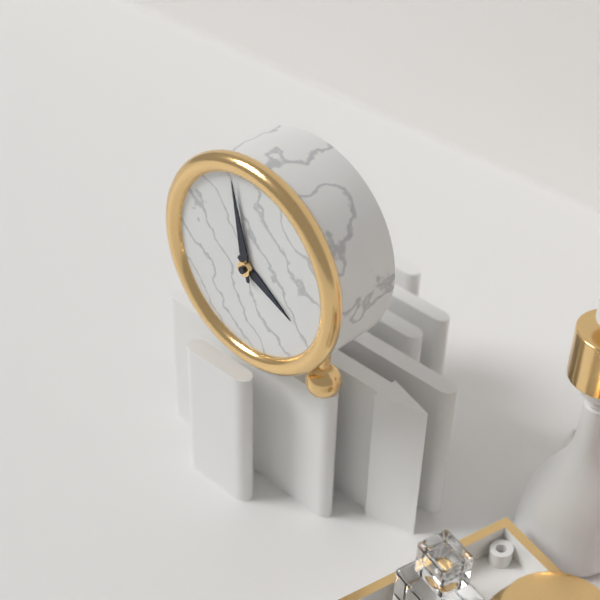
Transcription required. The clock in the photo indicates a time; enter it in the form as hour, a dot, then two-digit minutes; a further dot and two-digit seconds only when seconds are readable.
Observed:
3.58
